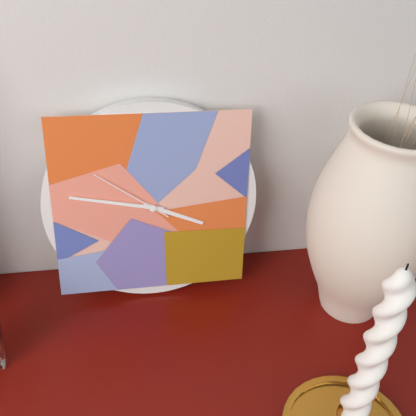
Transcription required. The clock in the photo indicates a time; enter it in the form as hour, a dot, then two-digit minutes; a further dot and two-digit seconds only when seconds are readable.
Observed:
3.47.51
